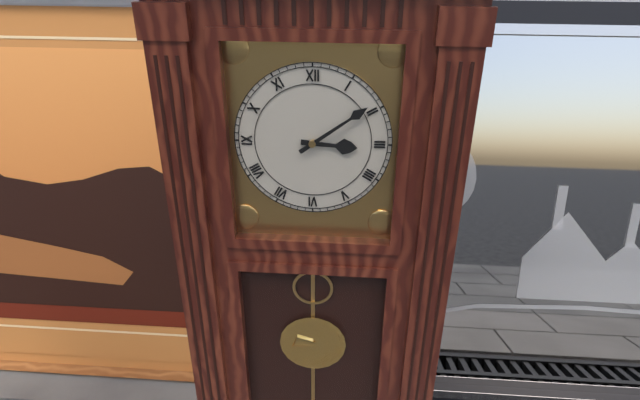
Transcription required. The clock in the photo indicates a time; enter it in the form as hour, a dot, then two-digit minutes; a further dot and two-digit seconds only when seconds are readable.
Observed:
3.09
